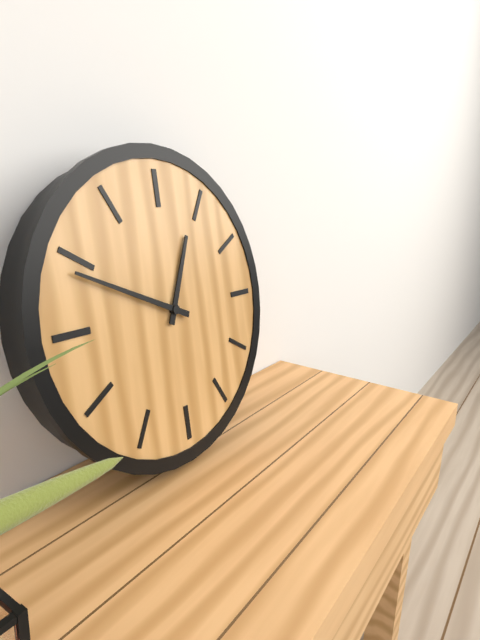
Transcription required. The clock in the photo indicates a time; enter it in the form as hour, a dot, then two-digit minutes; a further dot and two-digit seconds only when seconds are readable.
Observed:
12.49
